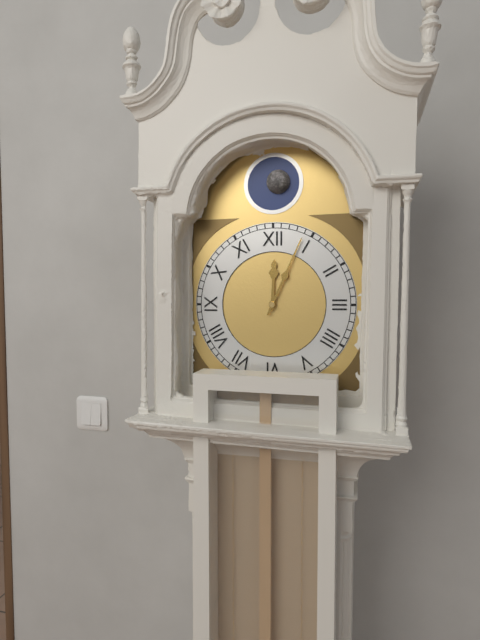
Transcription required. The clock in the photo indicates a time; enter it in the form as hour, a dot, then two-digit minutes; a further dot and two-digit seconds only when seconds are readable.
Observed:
12.04
